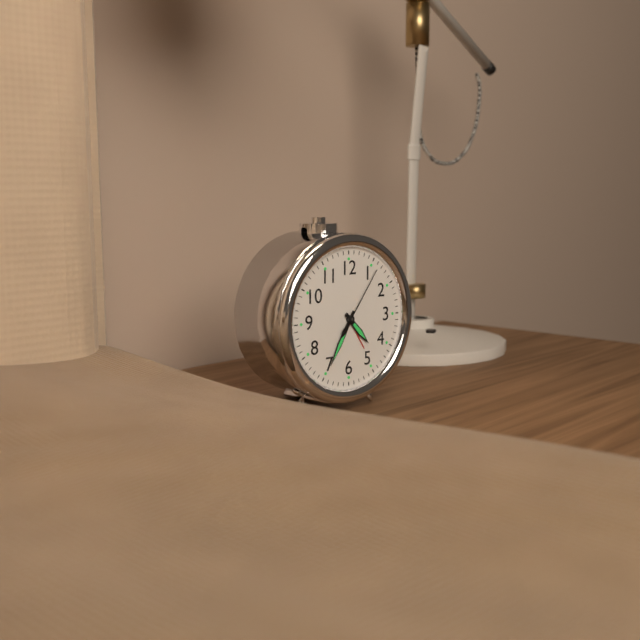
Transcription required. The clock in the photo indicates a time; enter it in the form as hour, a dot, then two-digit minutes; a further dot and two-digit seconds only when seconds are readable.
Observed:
4.35.06
